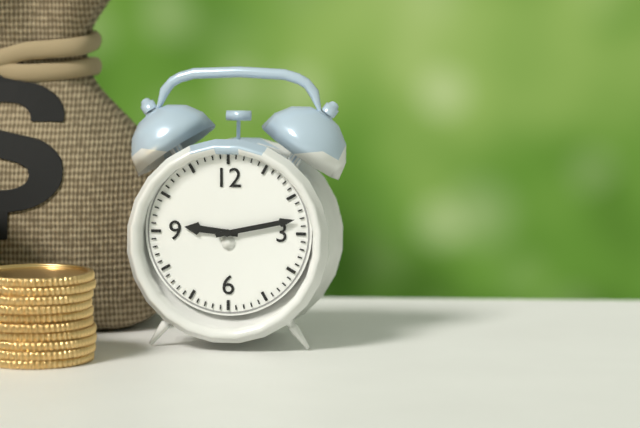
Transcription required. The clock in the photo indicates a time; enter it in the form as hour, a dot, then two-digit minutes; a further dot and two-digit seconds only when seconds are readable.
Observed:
9.13
